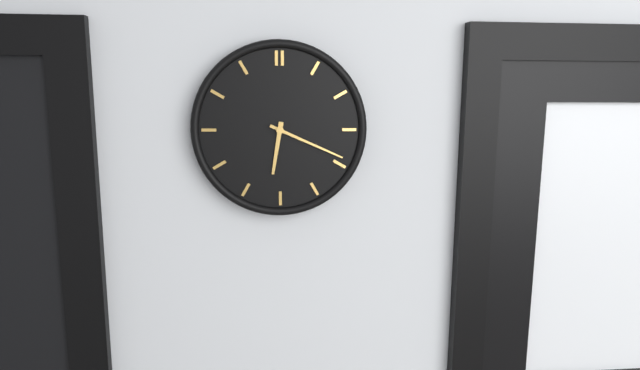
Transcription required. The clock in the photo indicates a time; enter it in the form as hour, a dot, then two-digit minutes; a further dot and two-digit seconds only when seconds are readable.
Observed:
6.19
